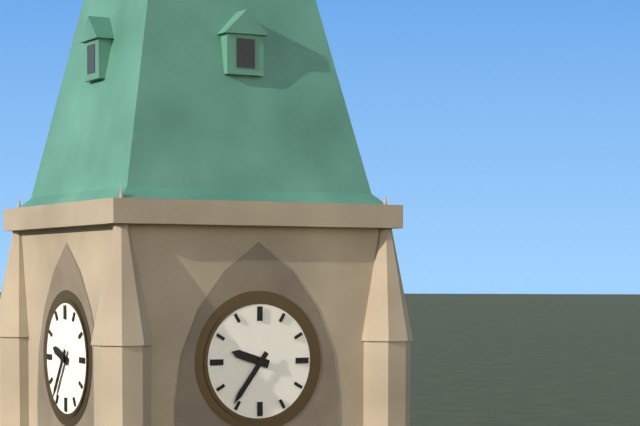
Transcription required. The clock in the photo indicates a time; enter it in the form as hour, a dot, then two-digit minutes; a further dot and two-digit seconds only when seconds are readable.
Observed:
9.36
